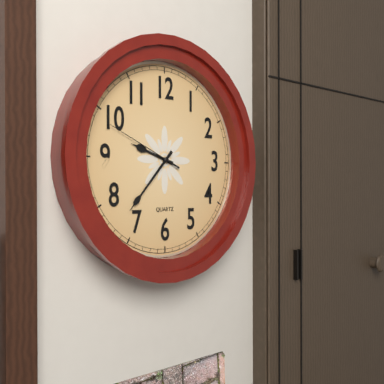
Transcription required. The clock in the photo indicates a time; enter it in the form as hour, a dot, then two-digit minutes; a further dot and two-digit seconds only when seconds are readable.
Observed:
9.37.49
